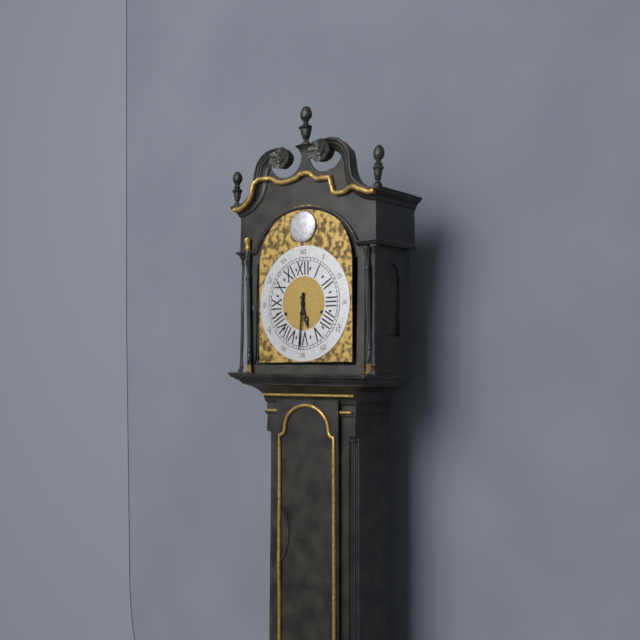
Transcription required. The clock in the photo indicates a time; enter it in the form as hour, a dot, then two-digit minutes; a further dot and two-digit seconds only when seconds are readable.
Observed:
5.31
